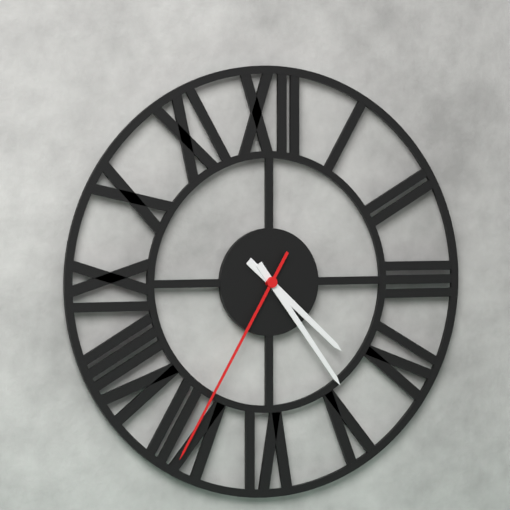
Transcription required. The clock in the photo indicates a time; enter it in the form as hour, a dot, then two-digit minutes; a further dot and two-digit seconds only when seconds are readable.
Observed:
4.24.35
